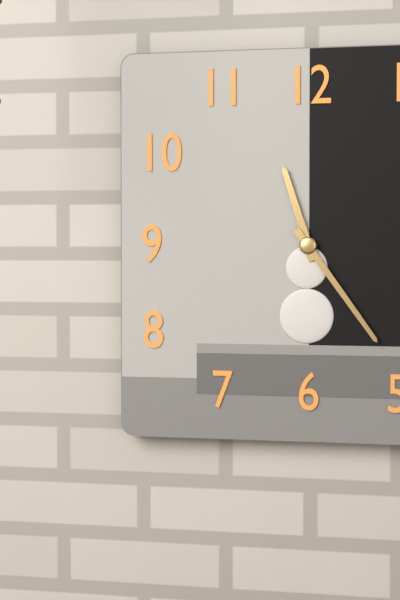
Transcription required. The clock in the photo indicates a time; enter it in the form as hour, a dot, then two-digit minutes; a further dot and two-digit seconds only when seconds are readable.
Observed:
11.24
